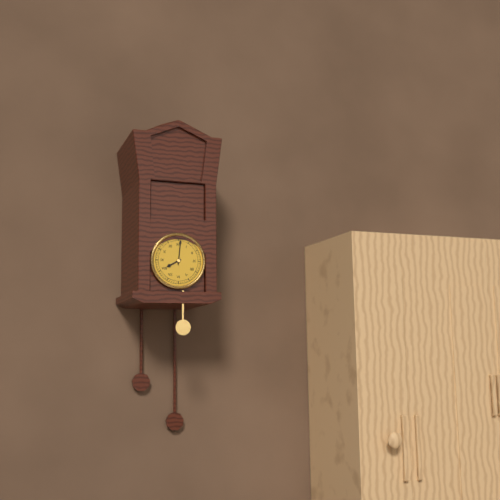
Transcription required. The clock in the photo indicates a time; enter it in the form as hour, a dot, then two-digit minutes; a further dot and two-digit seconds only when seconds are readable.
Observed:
8.01
